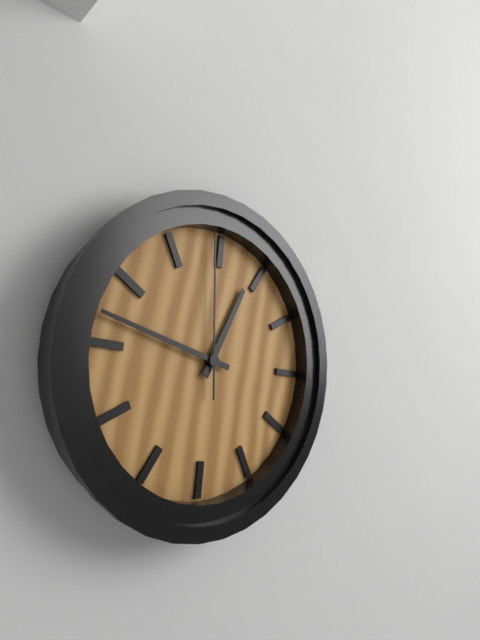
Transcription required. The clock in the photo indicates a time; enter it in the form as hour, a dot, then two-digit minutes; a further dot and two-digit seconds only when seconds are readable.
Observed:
12.47.59
